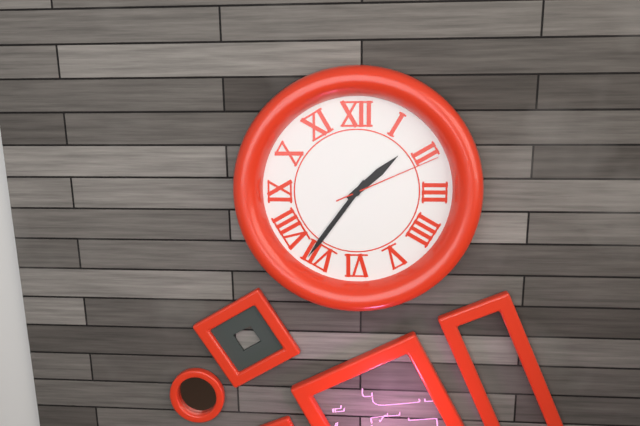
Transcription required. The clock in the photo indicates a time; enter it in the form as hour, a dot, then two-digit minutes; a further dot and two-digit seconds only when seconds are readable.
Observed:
1.36.11
